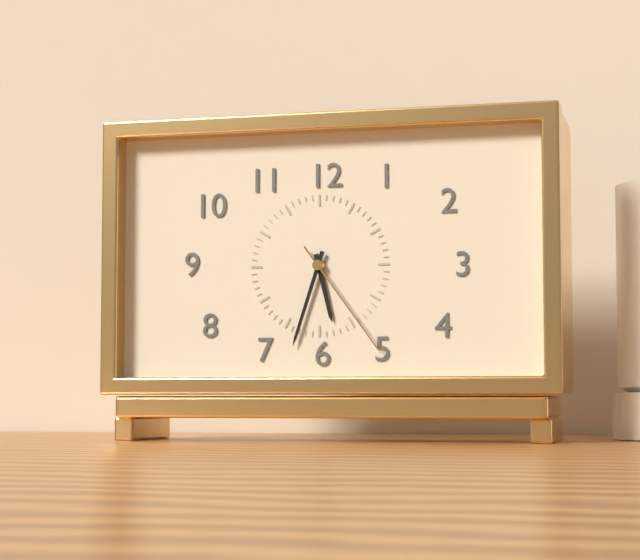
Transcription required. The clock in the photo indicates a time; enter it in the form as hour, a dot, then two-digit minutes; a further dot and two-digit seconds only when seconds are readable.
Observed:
5.33.24
